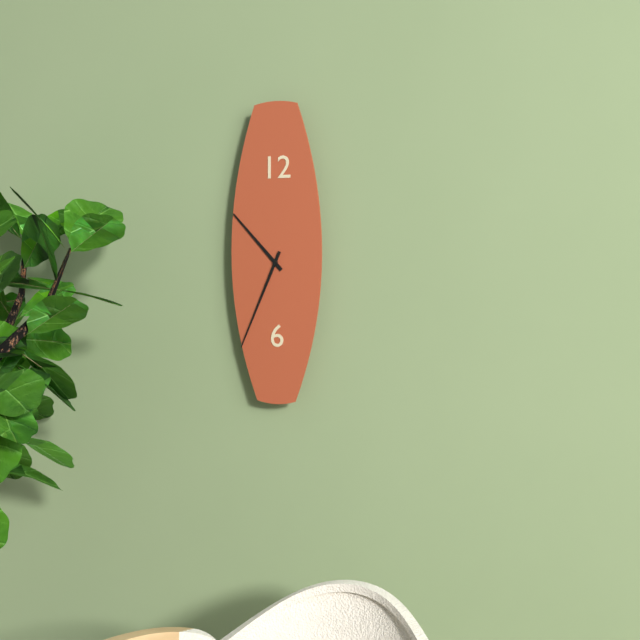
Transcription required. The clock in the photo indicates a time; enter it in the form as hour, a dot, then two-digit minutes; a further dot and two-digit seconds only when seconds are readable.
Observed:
10.34
